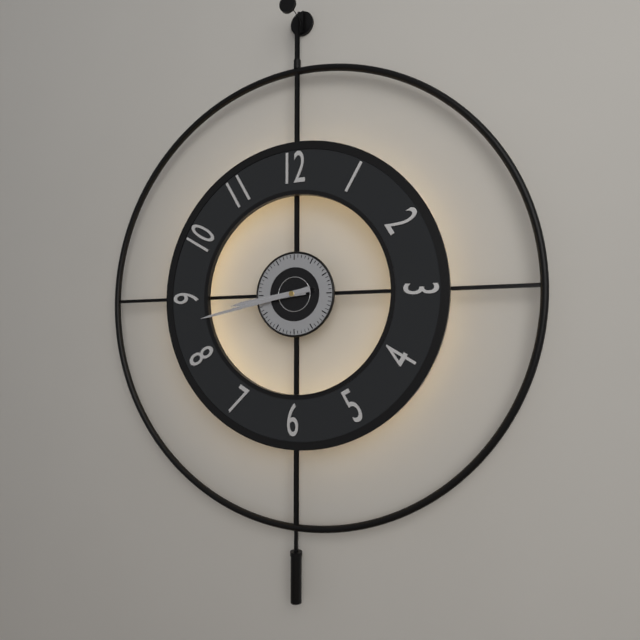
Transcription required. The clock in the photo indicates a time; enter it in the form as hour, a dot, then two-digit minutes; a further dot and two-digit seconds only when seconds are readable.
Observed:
8.43
